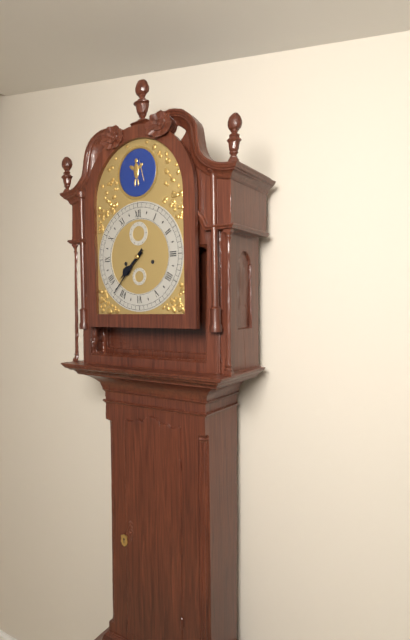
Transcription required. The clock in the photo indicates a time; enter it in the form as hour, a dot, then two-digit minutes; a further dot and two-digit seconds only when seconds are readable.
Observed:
7.37
